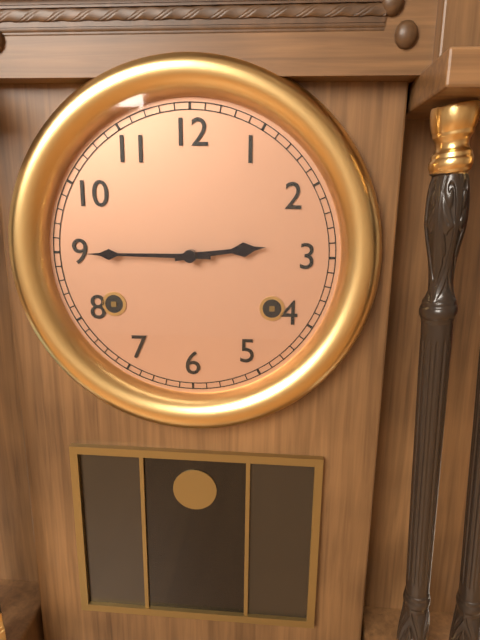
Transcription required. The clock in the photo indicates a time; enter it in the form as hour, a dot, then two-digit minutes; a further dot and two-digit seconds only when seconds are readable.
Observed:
2.45
